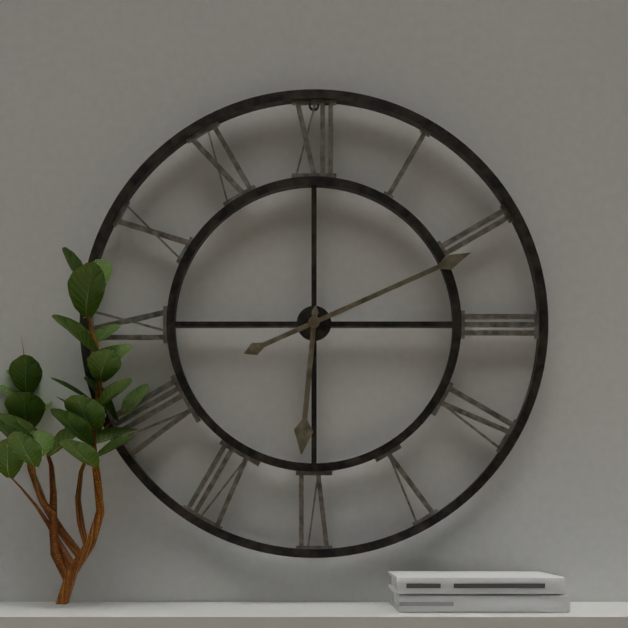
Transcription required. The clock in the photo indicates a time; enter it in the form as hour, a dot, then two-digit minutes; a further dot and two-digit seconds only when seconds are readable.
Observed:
6.11
